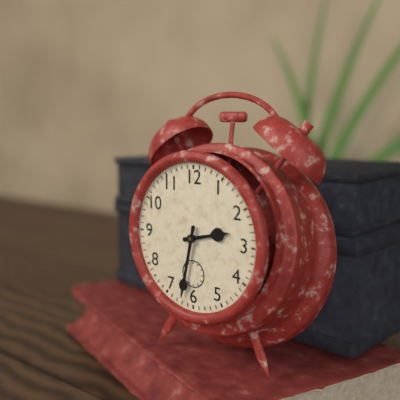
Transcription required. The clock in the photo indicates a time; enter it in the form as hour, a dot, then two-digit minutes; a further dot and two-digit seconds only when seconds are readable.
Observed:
2.32
